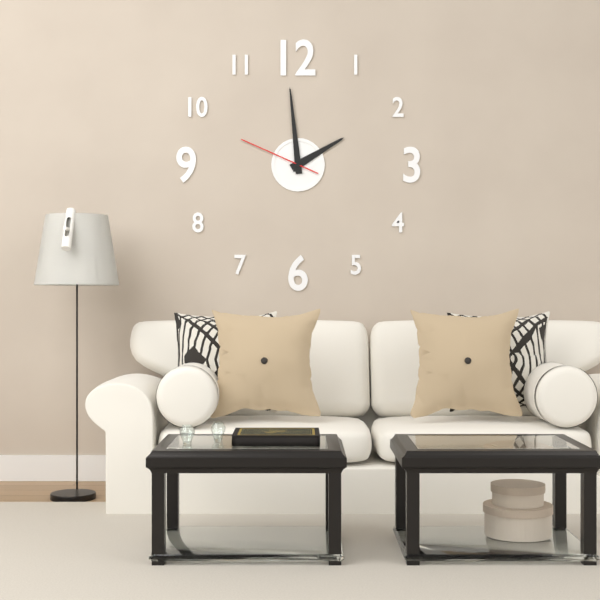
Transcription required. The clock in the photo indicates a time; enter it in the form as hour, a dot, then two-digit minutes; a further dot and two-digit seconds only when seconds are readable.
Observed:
1.59.49
